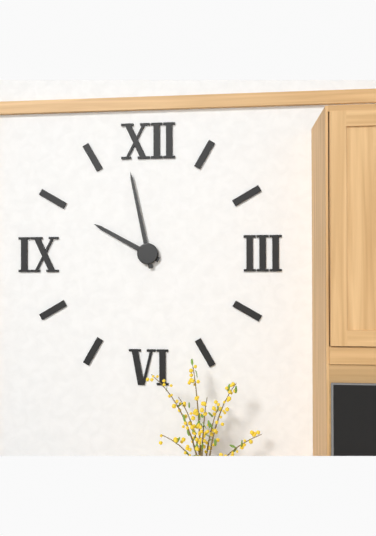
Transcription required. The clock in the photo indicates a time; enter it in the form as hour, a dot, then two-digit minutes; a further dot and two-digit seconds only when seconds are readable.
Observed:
9.58
